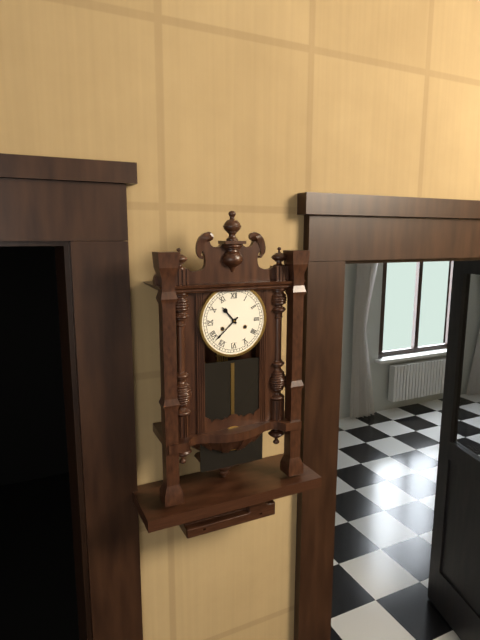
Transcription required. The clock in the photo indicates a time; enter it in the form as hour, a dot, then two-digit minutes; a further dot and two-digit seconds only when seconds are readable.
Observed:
10.38
